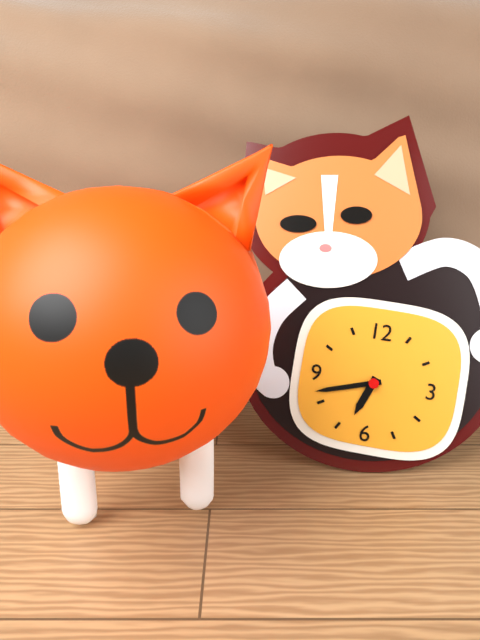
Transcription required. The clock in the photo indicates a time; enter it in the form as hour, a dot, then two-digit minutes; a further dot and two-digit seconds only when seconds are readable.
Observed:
6.42
